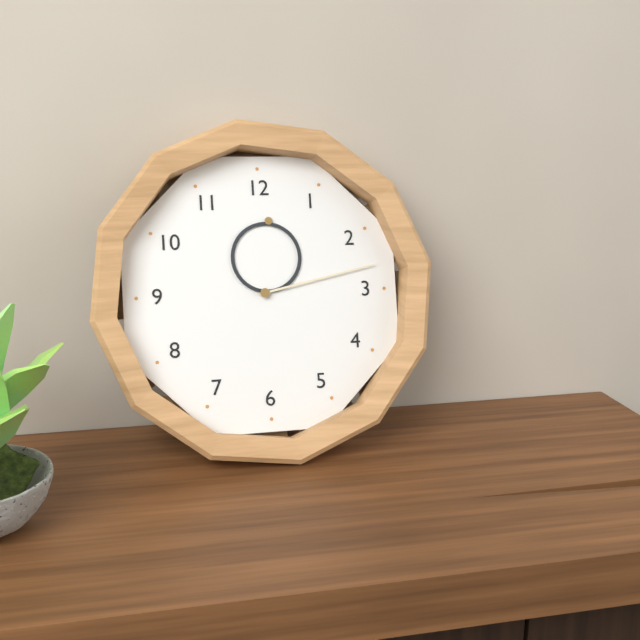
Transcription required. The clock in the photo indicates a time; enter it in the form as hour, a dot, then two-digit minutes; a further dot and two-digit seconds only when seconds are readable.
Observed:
12.13
